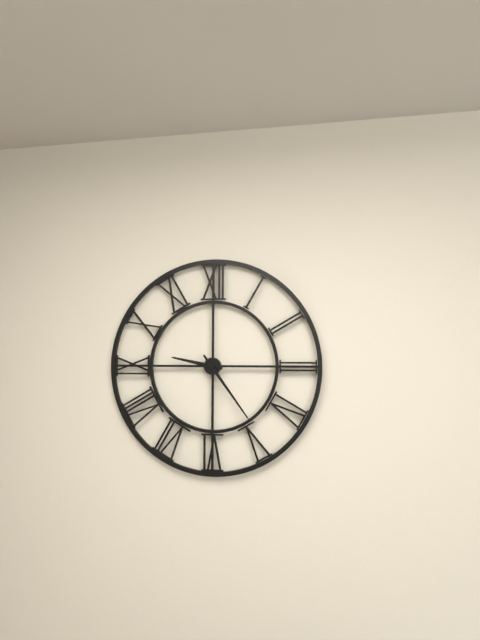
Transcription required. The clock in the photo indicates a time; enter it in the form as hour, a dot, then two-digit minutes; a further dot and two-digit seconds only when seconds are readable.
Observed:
9.24
